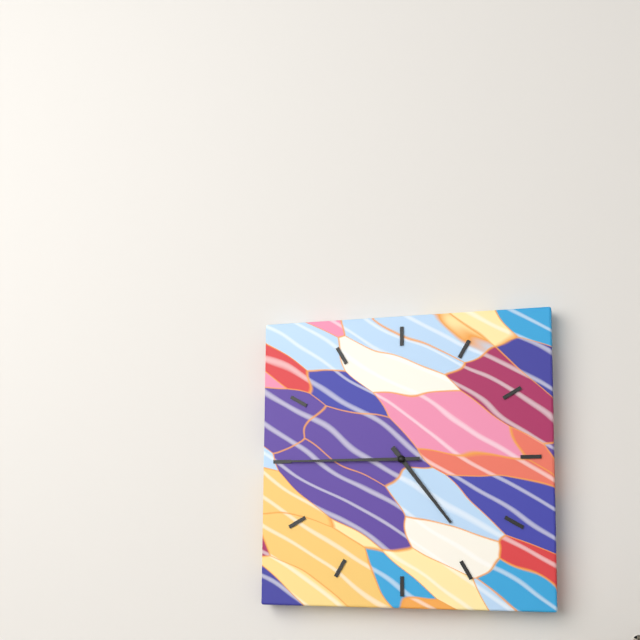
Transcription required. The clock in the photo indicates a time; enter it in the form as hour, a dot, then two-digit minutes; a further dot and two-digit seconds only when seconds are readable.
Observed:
4.45
